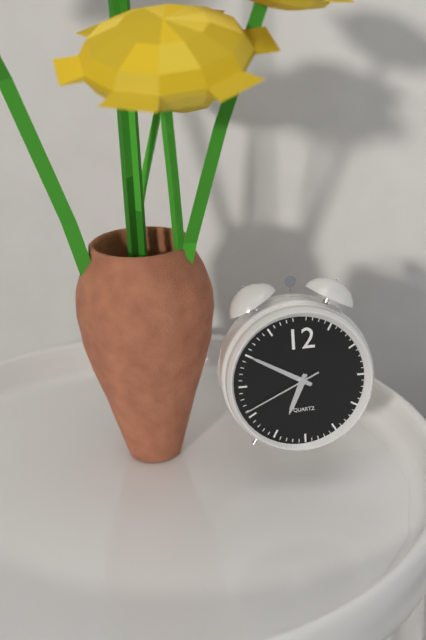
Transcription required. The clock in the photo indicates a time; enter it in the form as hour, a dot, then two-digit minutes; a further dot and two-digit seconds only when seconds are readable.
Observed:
6.50.41
